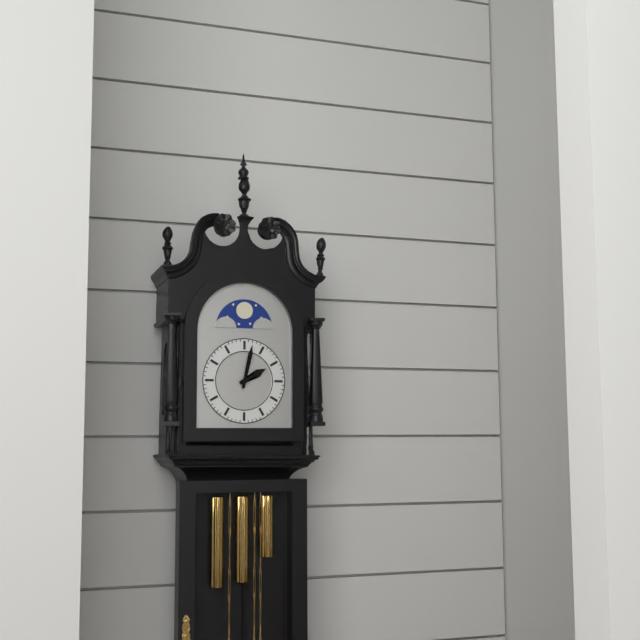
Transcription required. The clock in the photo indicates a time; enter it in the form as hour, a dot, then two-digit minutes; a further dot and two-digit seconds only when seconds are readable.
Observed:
2.02
